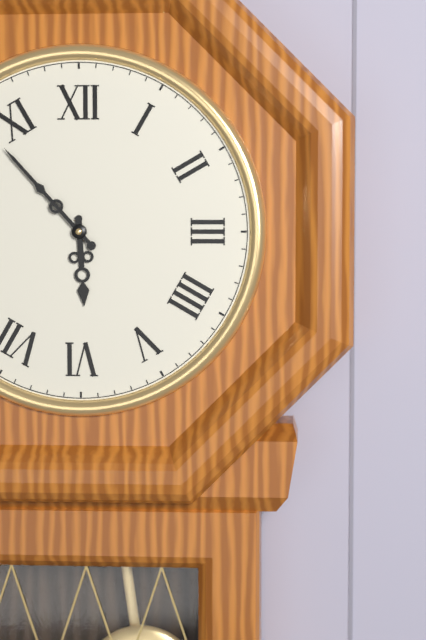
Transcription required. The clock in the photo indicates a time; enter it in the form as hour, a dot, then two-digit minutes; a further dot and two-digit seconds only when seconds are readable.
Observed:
5.53
